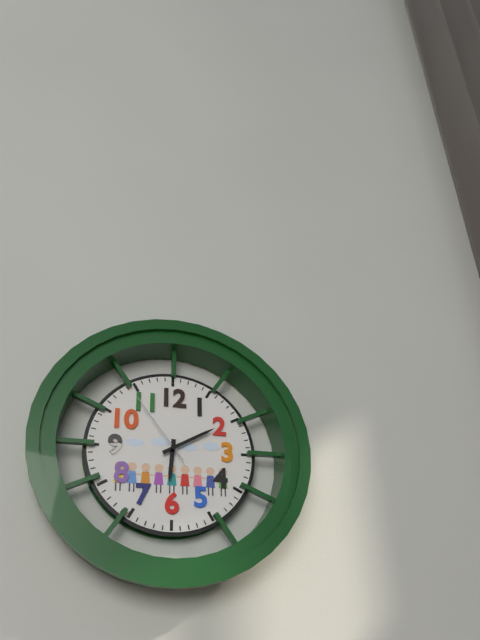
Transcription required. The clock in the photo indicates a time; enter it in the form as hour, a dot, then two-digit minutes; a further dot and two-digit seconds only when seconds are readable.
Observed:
6.10.54
